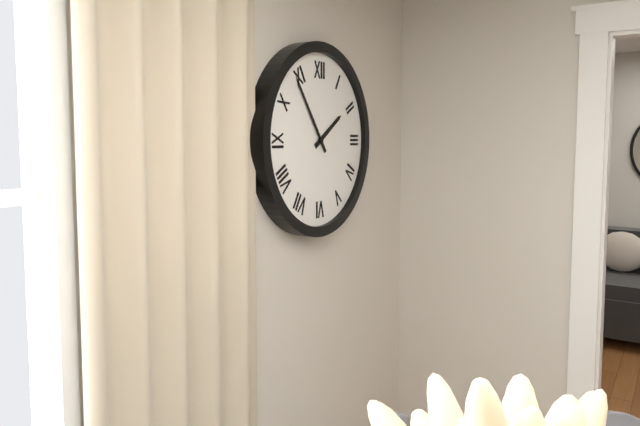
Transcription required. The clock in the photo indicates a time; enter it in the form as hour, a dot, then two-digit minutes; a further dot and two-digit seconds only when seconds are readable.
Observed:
1.54
